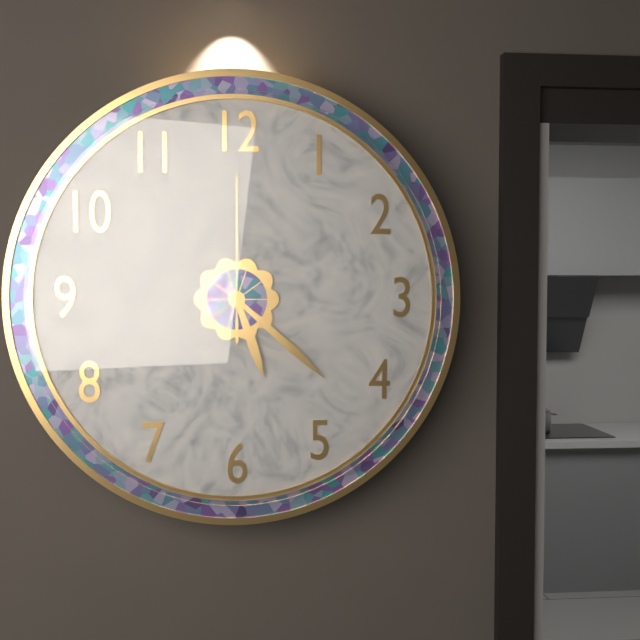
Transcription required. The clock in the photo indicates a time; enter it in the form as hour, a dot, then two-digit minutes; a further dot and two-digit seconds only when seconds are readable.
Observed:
5.22.00
